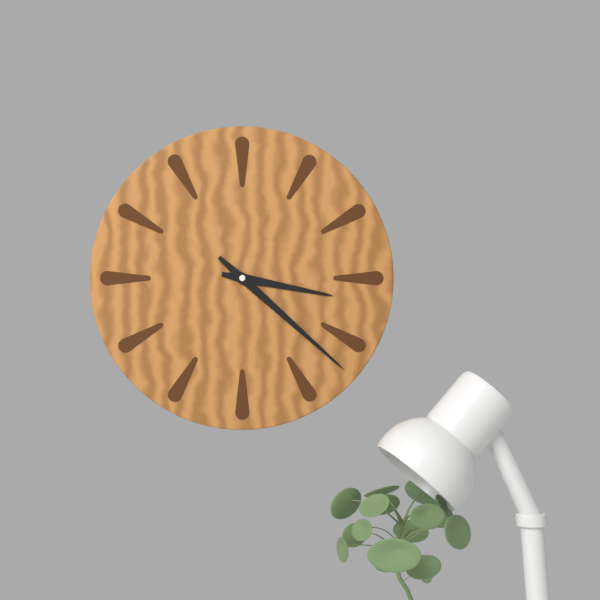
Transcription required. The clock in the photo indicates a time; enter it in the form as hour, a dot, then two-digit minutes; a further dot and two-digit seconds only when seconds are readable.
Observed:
3.22
